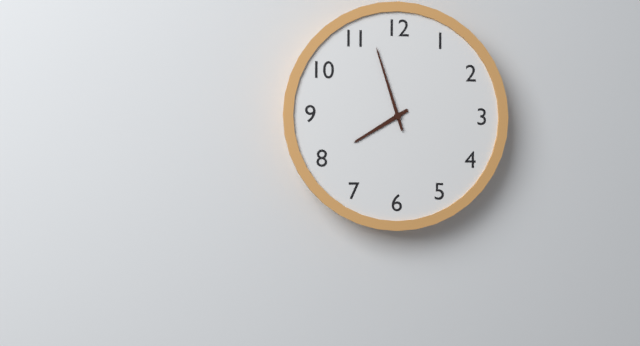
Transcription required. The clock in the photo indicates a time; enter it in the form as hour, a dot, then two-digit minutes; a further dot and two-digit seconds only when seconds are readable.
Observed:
7.57
